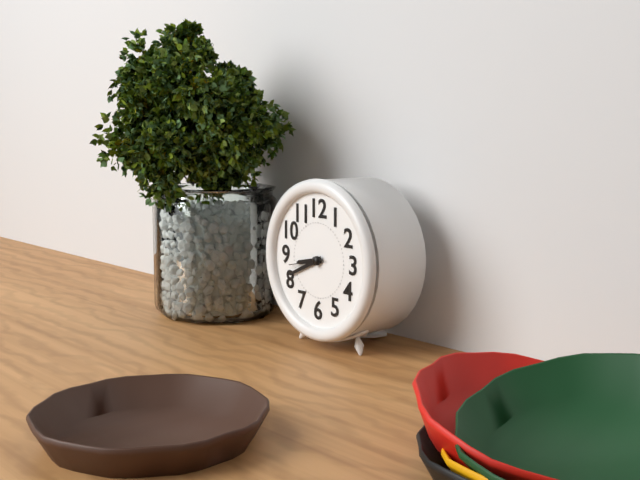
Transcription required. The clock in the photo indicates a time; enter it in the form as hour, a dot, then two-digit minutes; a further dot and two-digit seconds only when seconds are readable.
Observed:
8.41
